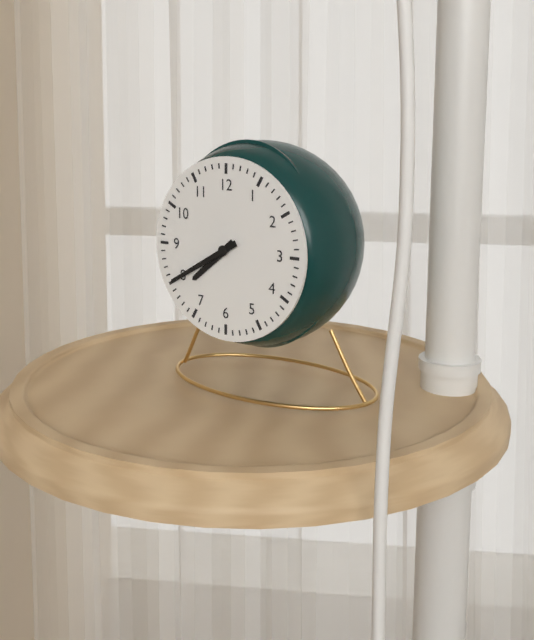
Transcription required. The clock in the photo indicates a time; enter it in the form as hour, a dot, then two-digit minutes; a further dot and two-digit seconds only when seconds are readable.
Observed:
7.40
